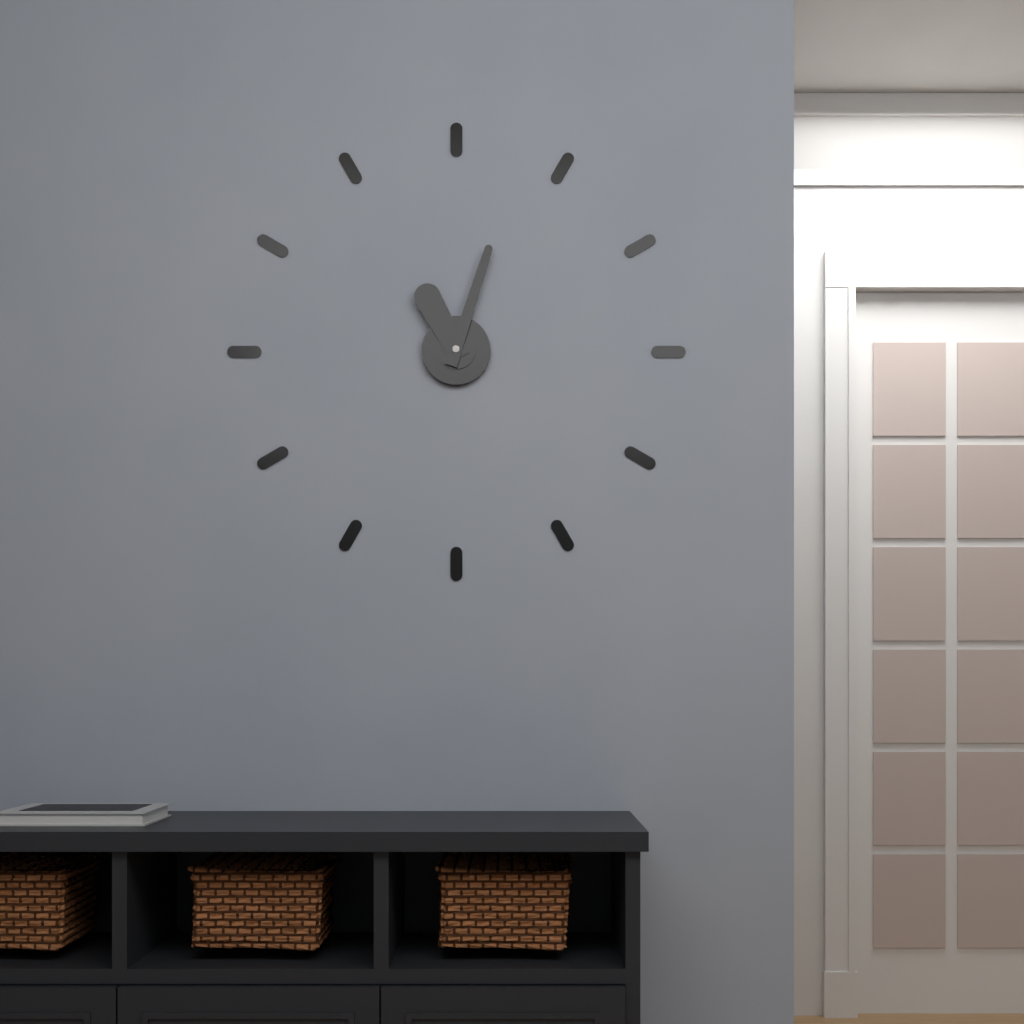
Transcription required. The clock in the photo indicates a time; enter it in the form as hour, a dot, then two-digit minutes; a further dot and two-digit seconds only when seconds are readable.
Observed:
11.03
